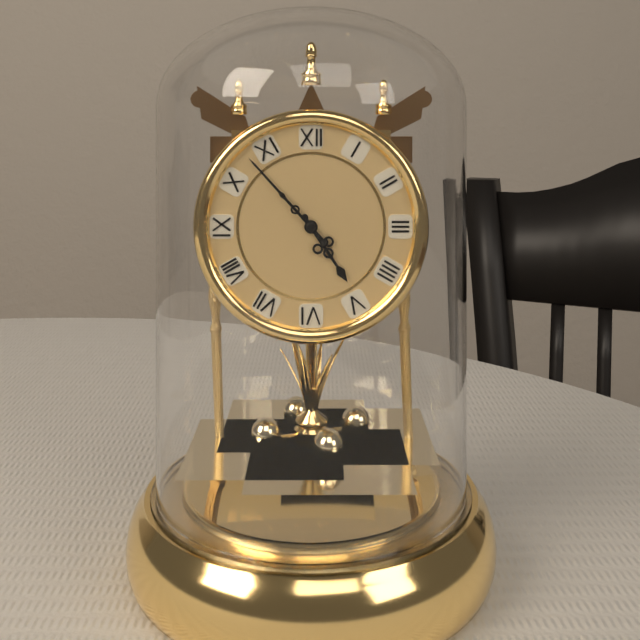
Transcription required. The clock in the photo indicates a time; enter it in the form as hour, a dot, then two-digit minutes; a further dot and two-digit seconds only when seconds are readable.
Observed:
4.53
